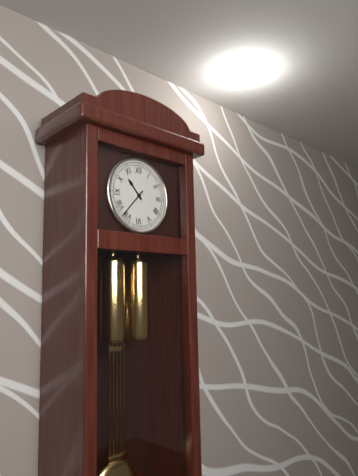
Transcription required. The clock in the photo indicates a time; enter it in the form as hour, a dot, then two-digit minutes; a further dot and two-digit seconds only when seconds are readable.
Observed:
10.37
